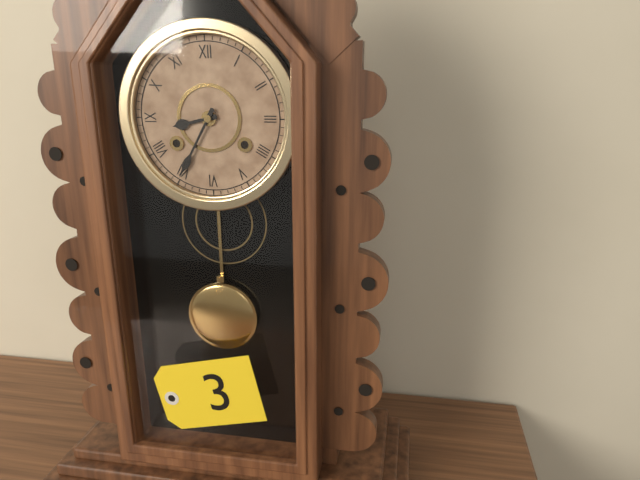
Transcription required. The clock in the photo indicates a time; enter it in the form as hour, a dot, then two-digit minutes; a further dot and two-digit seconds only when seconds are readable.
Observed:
8.35
